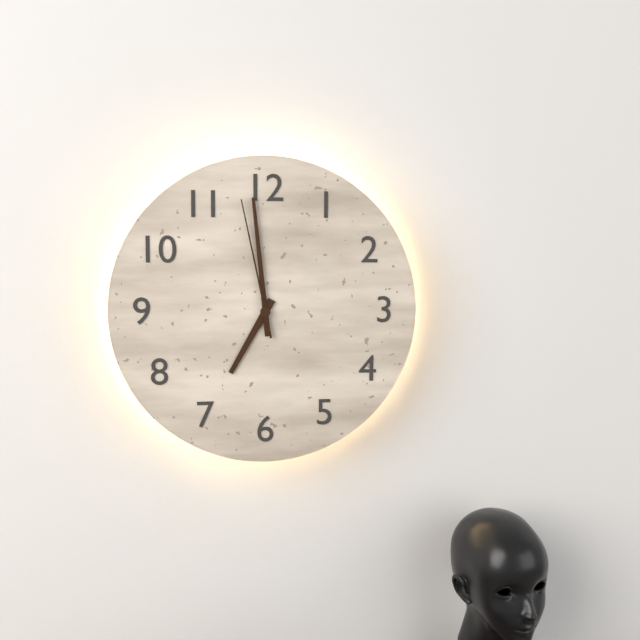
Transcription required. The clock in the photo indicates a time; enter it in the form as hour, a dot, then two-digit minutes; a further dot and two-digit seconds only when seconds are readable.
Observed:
6.59.58
